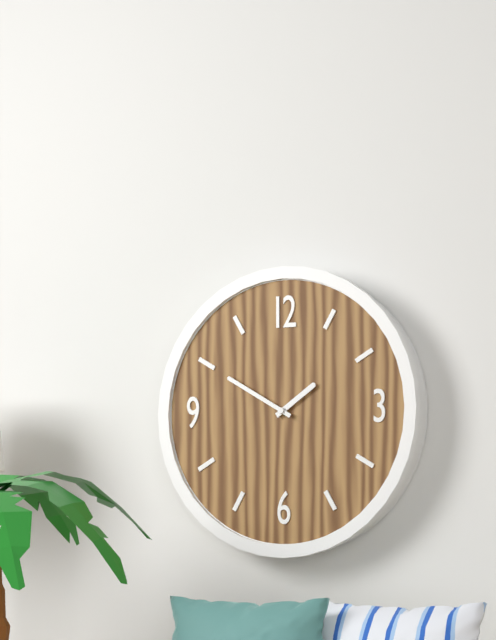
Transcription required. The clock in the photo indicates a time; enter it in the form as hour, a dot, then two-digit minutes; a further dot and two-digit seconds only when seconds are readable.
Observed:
1.50
